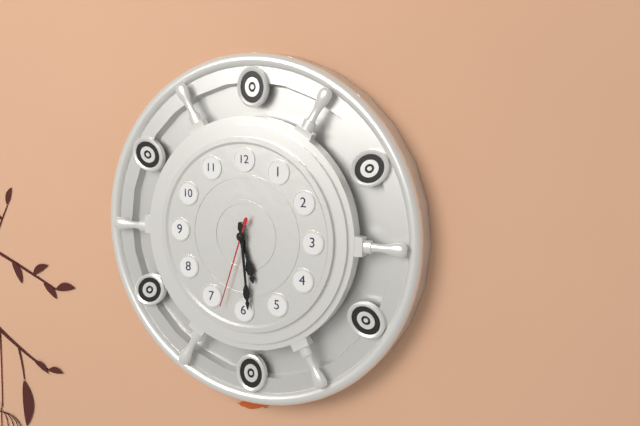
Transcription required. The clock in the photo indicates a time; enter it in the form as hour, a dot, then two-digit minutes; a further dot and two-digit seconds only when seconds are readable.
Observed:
5.29.33
